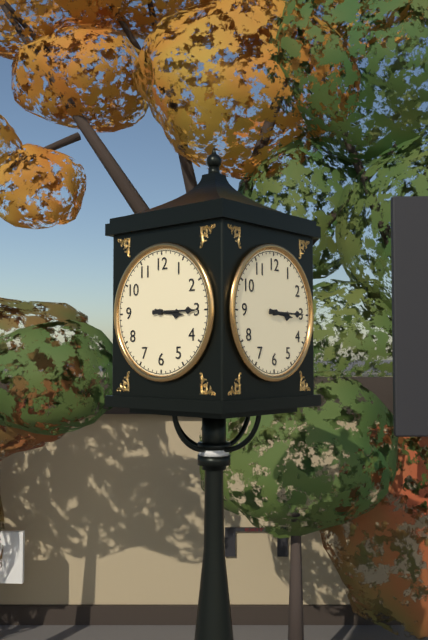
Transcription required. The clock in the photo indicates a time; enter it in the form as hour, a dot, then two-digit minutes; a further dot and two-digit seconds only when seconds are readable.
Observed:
3.15
